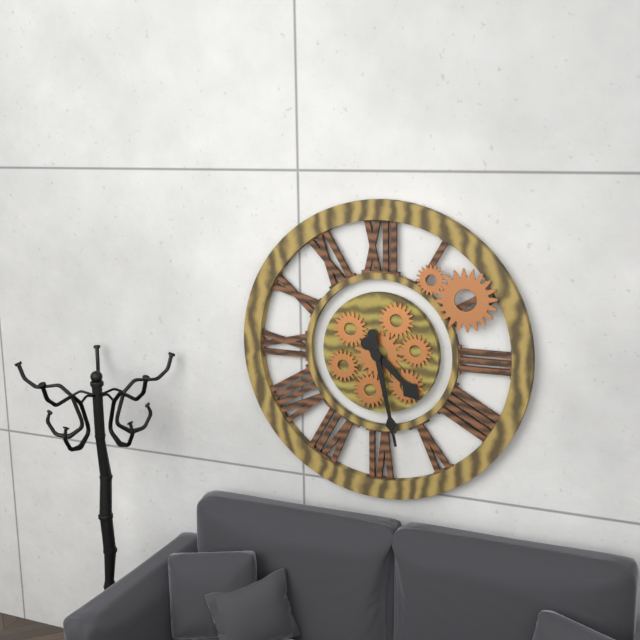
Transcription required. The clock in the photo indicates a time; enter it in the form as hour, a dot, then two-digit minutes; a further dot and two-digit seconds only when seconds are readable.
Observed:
4.28
